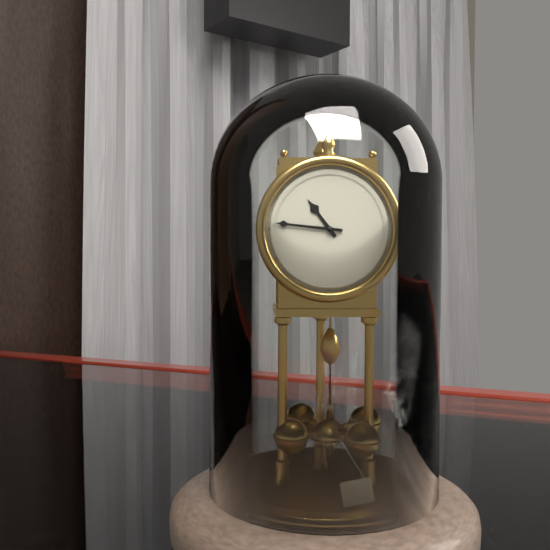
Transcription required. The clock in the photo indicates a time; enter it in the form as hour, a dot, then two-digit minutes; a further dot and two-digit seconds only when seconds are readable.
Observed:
10.46
